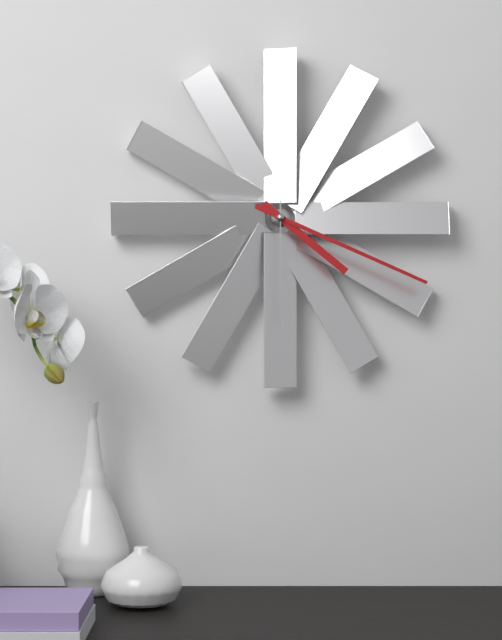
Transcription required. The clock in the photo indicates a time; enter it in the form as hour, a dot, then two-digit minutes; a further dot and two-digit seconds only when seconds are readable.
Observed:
4.19.30
